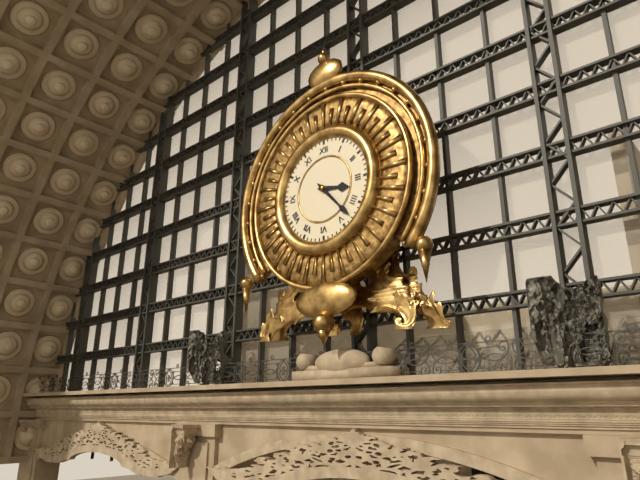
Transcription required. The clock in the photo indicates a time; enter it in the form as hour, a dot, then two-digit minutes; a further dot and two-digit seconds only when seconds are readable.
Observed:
3.23
